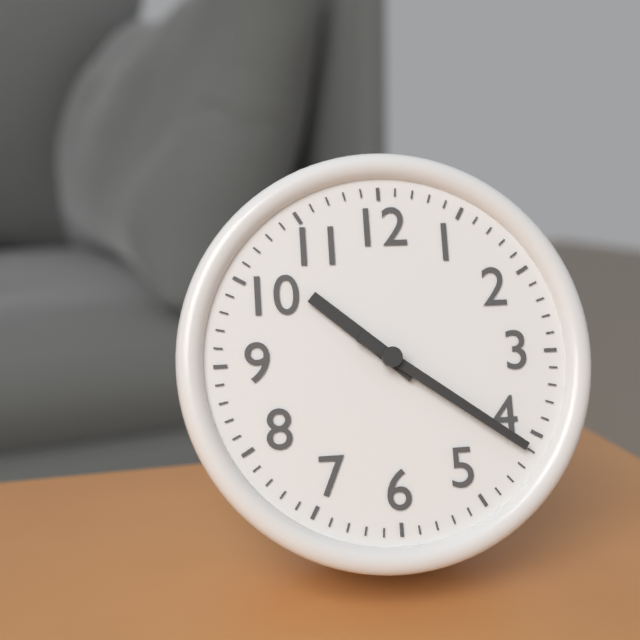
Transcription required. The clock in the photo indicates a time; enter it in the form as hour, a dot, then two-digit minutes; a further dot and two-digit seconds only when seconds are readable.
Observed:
10.21
